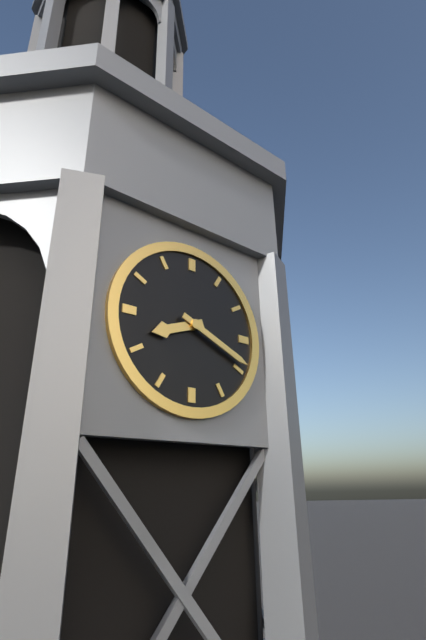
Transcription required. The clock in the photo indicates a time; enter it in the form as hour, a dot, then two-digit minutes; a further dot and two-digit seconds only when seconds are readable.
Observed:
8.19
